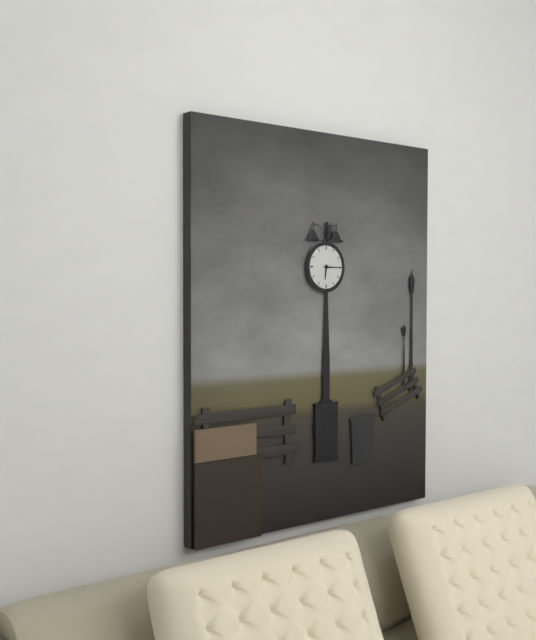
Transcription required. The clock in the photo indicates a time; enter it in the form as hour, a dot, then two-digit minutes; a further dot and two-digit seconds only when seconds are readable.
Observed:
6.15
